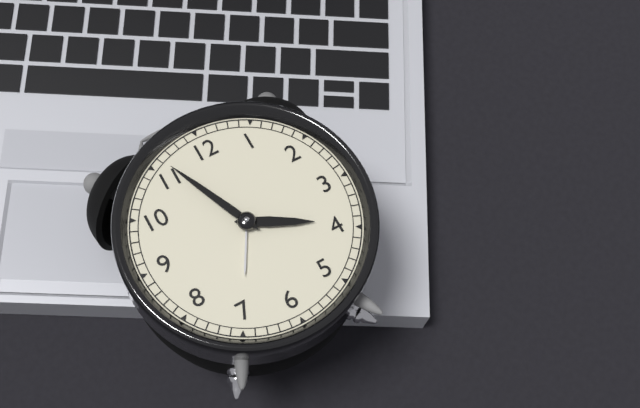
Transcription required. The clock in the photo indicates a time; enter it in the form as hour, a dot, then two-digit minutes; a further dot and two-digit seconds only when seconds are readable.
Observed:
3.56
